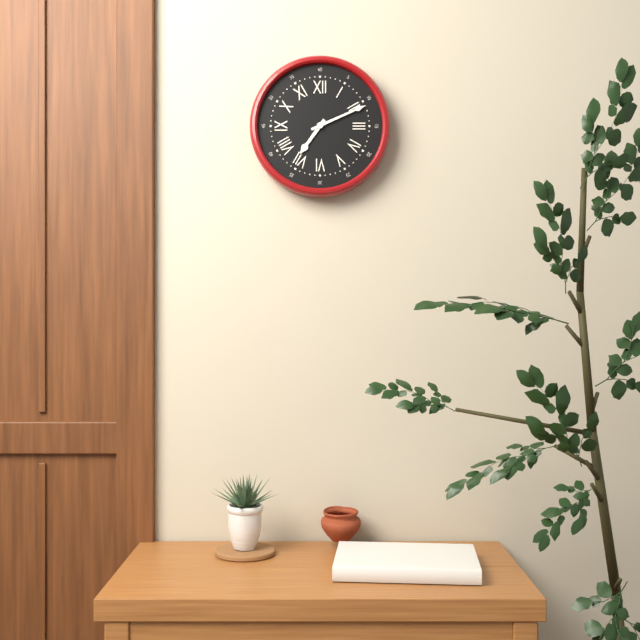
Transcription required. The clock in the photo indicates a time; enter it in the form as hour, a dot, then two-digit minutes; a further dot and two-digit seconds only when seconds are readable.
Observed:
7.11
